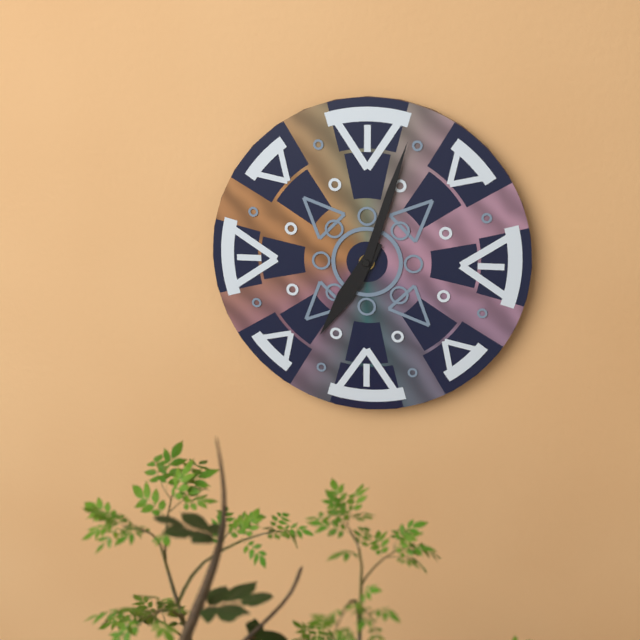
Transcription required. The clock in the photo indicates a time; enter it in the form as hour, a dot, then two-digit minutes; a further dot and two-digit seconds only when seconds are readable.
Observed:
7.03
